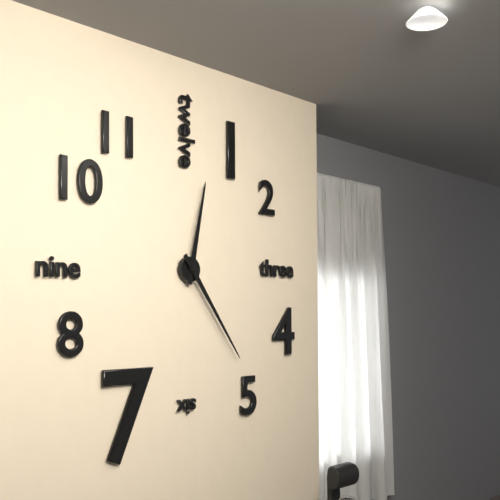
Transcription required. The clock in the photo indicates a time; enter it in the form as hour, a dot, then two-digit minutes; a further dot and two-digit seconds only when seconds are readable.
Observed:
12.24
